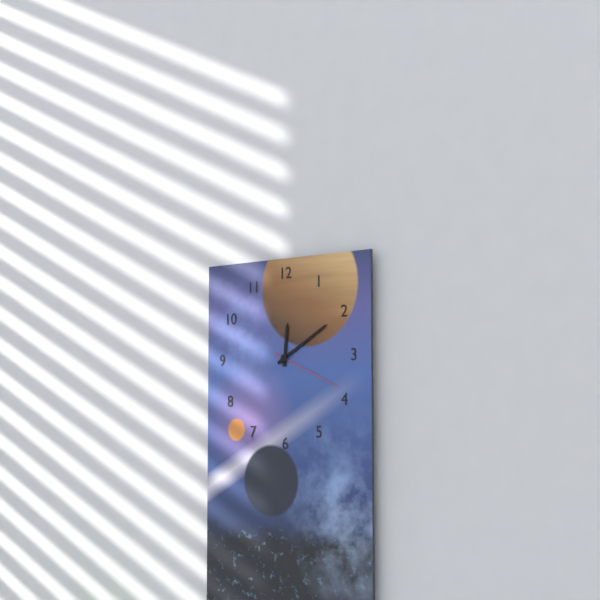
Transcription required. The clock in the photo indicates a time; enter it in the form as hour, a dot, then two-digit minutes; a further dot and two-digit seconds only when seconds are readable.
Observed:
12.10.19
